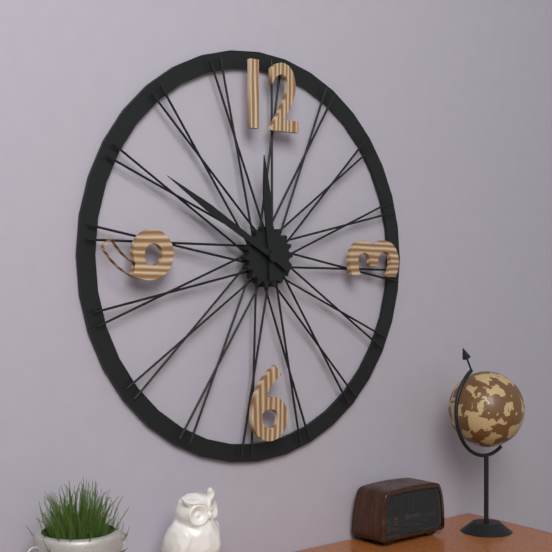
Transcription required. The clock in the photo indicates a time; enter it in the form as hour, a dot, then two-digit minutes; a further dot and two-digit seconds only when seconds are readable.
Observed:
11.50
